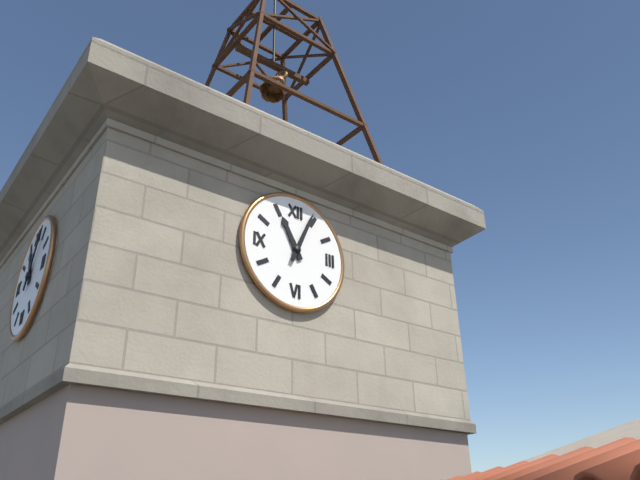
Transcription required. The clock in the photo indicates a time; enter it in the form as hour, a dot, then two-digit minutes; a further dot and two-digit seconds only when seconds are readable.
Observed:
11.04
